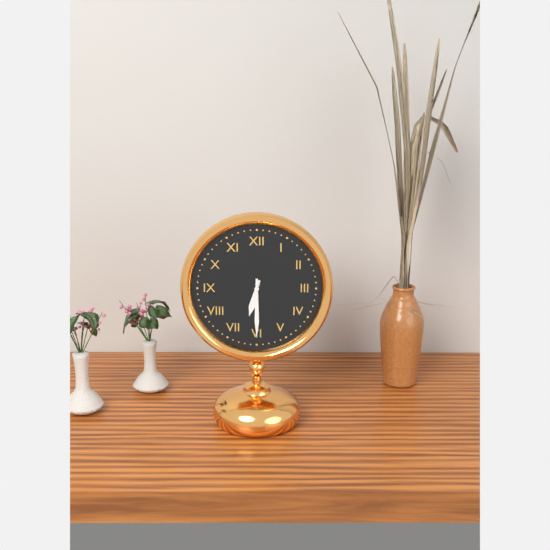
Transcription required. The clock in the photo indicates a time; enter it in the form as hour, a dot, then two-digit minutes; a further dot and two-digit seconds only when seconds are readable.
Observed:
6.30
